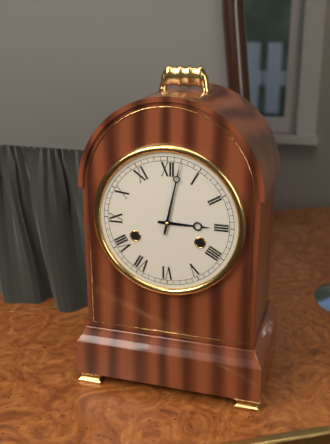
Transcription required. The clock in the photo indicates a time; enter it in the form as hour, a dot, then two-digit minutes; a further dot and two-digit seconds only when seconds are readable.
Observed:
3.02
